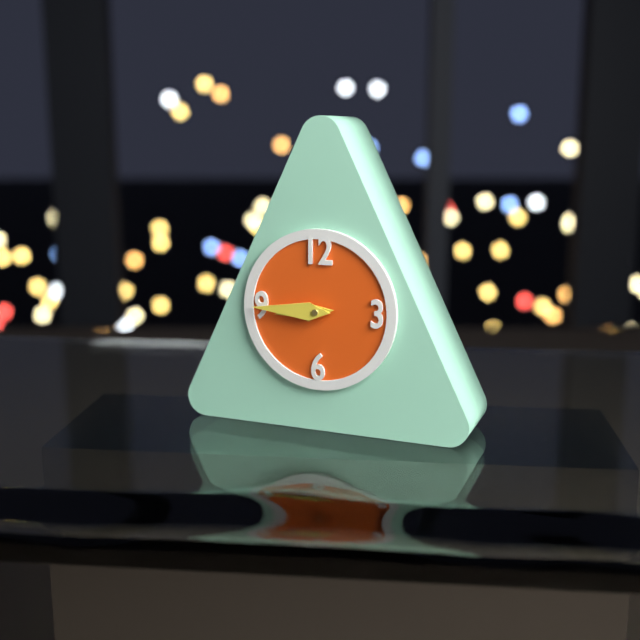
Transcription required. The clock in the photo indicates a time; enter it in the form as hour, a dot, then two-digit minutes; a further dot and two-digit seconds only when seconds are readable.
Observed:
8.45
